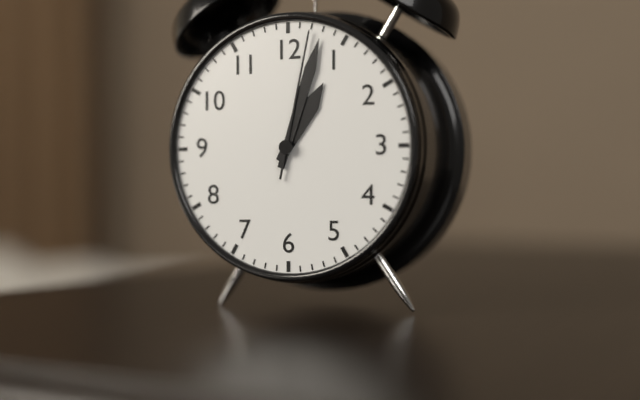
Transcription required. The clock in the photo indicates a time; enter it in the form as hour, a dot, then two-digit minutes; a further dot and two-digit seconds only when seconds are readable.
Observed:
1.03.02
